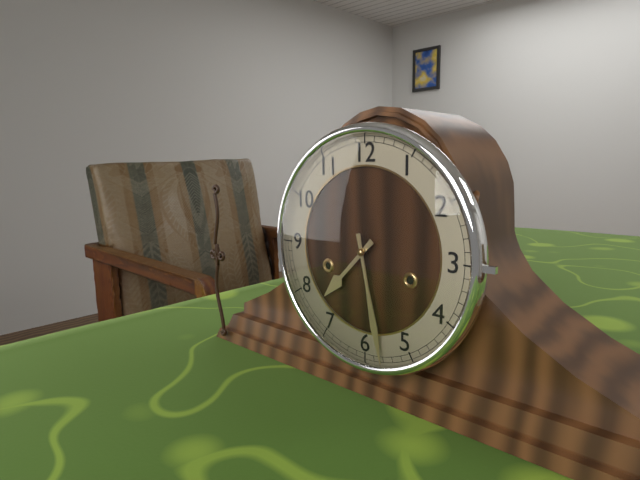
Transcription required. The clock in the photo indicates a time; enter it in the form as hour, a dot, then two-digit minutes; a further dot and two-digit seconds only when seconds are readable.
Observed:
7.28
